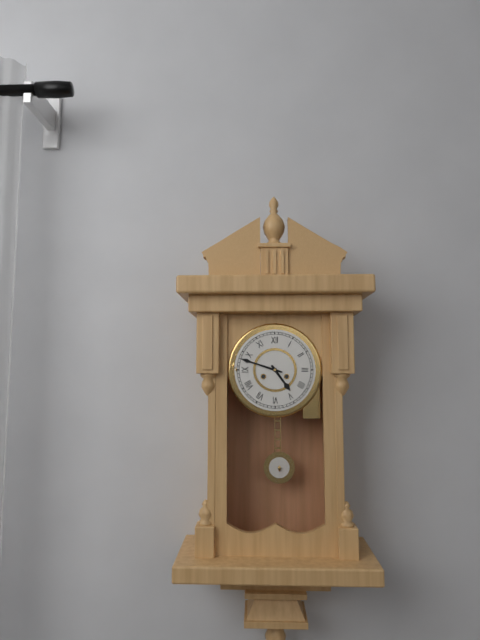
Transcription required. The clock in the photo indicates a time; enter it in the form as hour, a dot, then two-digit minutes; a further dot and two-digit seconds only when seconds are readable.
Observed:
4.48
